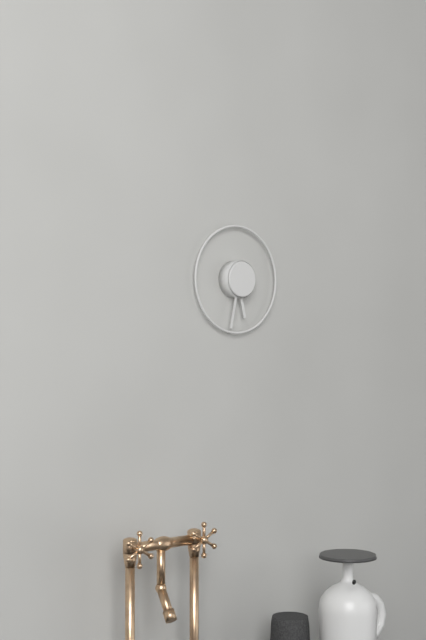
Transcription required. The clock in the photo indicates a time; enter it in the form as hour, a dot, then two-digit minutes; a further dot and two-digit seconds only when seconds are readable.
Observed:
5.32
